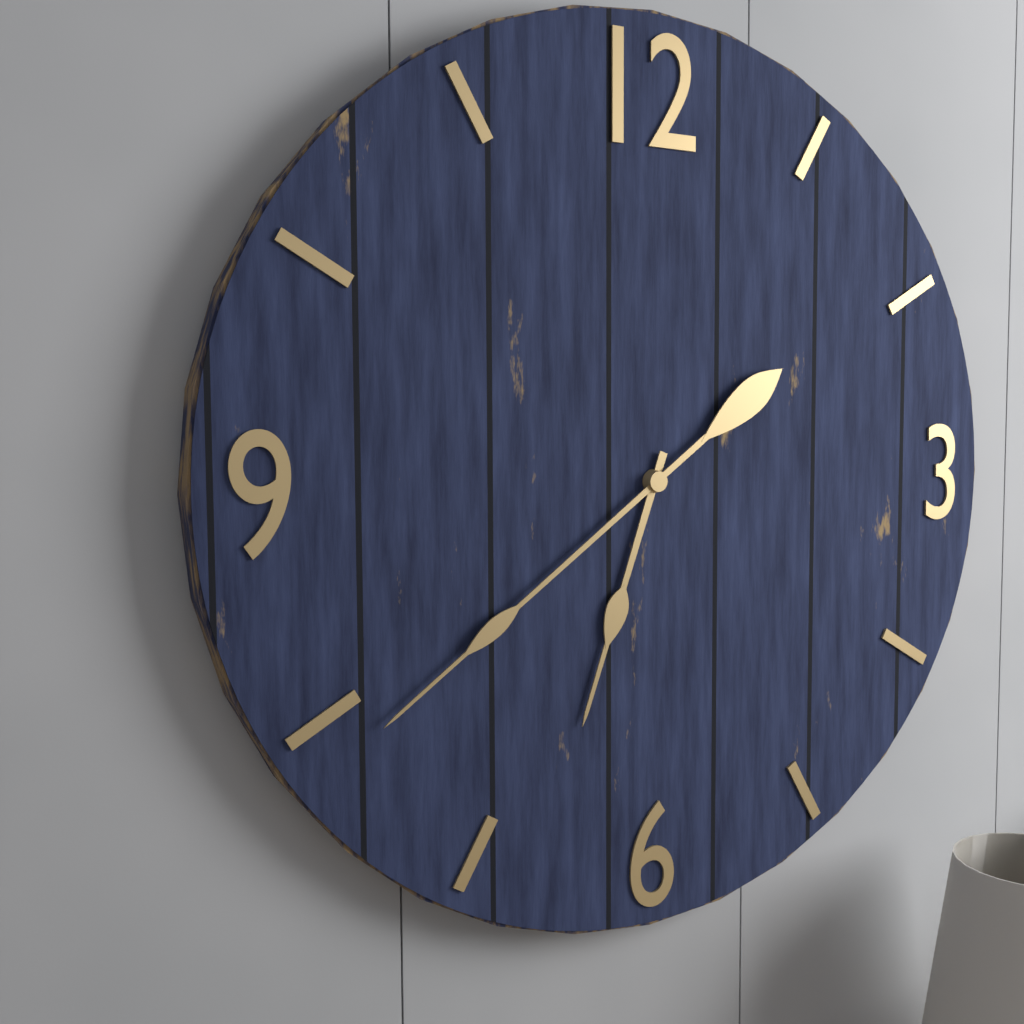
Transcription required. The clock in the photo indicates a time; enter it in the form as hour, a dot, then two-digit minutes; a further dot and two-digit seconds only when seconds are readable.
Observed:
6.39
